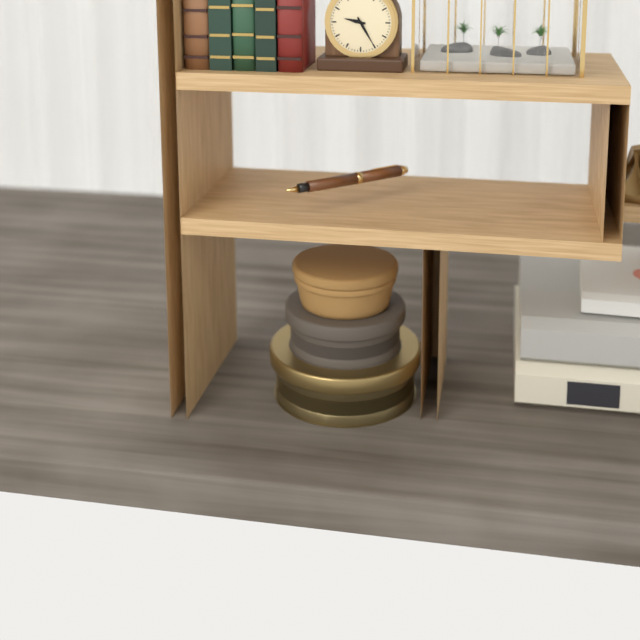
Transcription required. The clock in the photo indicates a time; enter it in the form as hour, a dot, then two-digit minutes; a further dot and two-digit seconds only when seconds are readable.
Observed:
9.25
